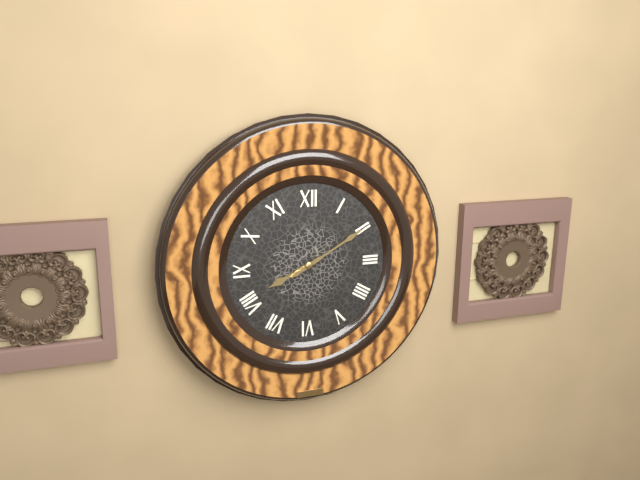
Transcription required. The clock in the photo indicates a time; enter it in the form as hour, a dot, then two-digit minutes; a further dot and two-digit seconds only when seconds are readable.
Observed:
8.10
